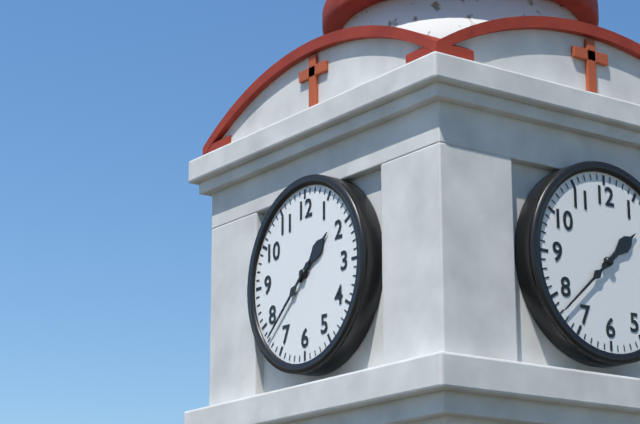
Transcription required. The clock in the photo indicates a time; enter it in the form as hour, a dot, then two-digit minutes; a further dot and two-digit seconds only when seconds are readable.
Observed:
1.38
